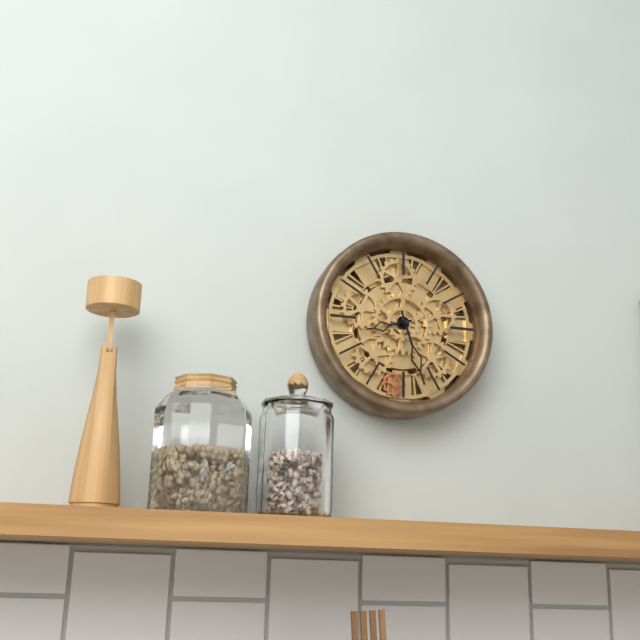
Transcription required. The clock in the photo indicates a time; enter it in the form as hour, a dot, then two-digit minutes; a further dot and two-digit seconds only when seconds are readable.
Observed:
8.27
